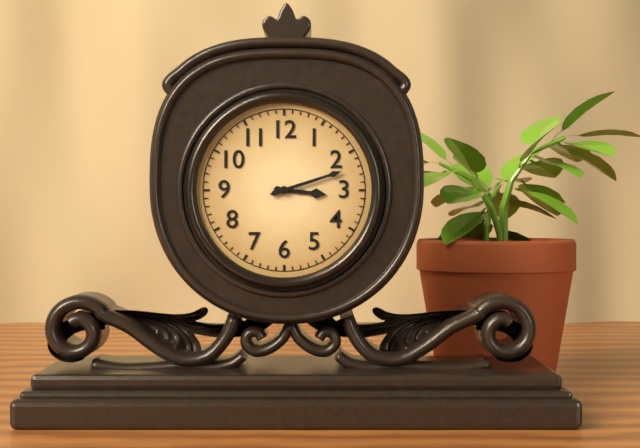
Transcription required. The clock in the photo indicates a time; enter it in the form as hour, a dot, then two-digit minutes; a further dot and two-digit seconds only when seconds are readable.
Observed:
3.12
